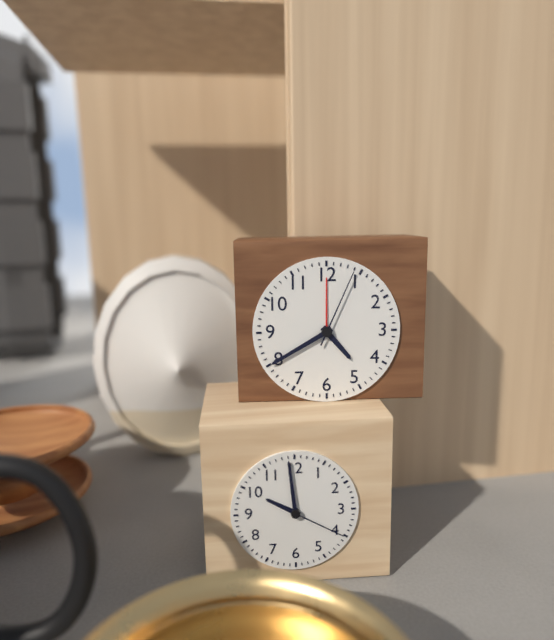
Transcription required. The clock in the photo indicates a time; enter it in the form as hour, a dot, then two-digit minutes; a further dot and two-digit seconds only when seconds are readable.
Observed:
4.40.04
